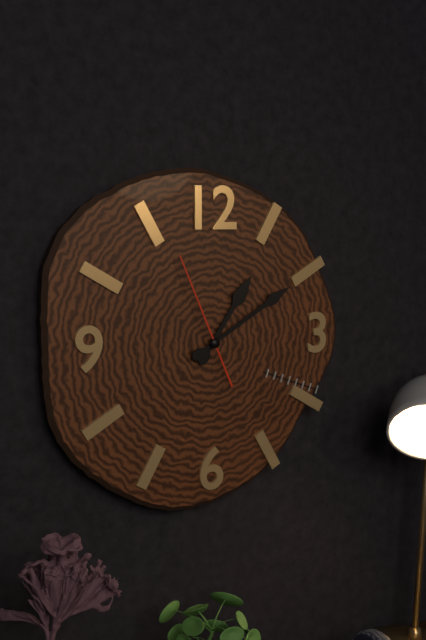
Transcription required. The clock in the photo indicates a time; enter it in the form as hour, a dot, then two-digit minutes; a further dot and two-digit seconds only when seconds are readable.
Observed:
1.10.56
